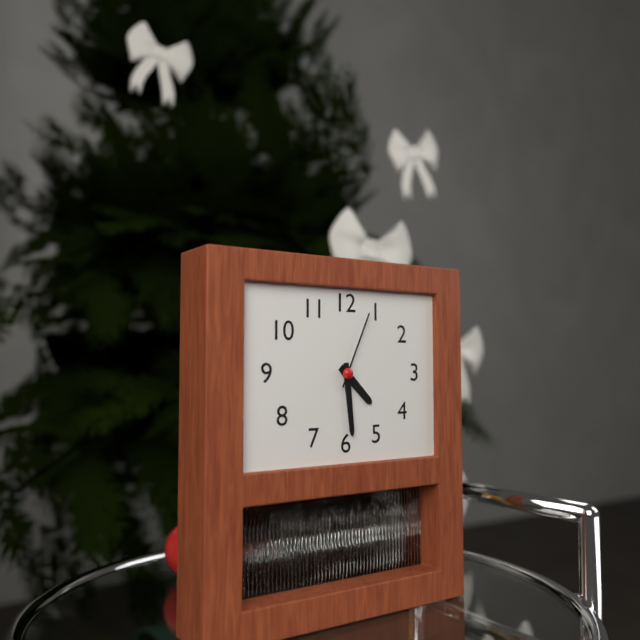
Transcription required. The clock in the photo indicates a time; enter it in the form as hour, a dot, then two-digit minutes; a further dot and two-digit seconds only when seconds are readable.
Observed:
4.29.04
